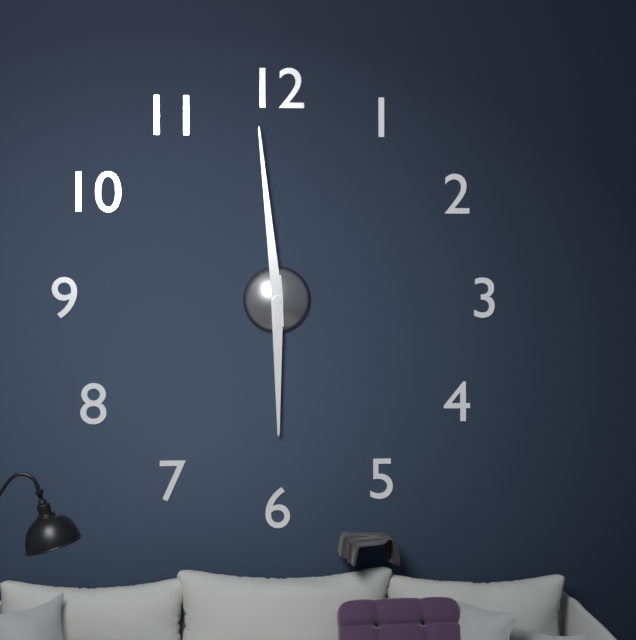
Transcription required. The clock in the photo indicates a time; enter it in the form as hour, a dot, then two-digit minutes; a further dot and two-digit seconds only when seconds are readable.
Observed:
5.59
